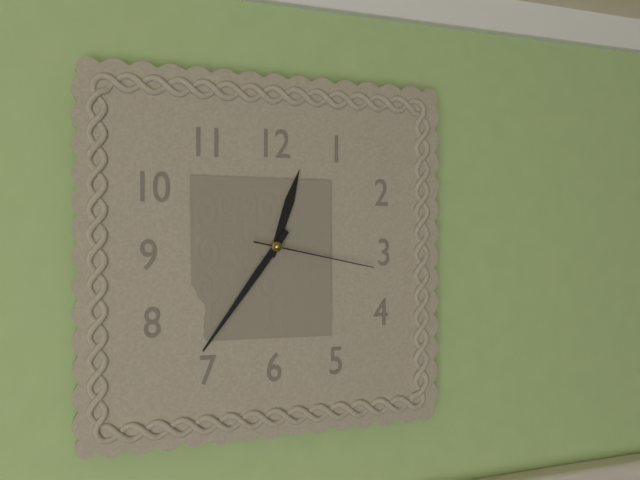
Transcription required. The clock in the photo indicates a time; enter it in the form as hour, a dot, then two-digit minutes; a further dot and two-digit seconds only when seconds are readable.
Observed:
12.36.17
